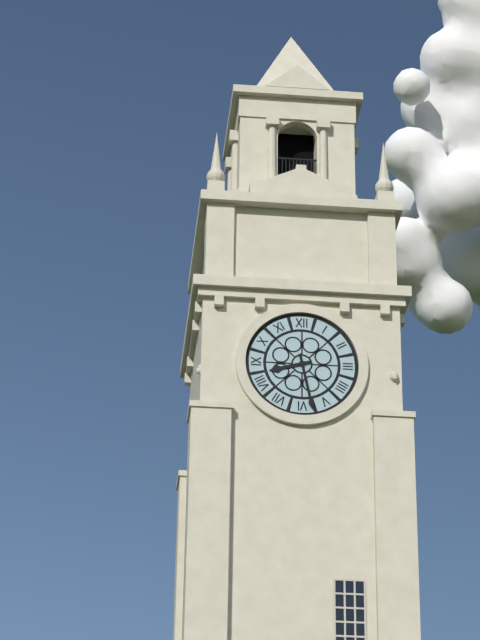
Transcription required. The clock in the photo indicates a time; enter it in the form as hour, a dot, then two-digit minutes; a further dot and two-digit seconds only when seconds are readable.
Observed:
8.28
